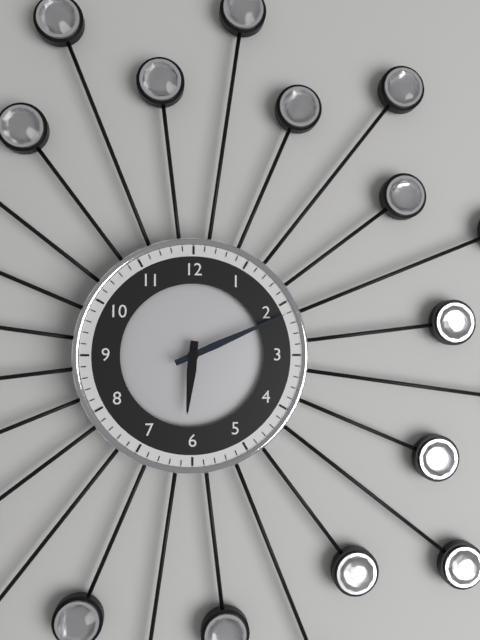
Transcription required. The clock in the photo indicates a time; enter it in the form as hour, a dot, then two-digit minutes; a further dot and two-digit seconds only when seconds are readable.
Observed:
6.11
